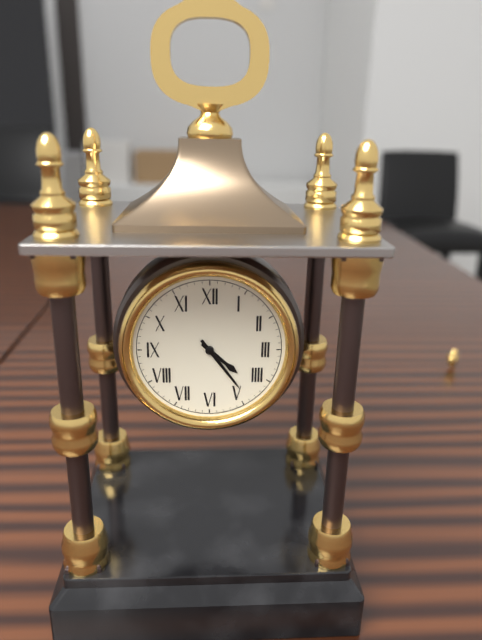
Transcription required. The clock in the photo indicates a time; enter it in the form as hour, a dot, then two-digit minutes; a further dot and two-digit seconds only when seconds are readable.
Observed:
4.24
